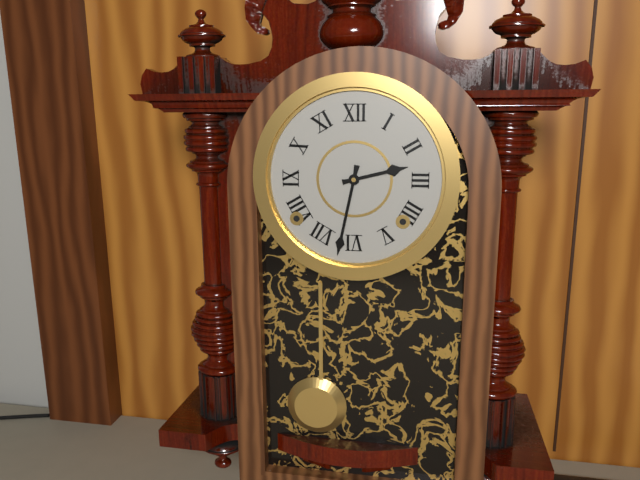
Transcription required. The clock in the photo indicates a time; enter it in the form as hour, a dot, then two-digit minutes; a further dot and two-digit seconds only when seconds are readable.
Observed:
2.32
